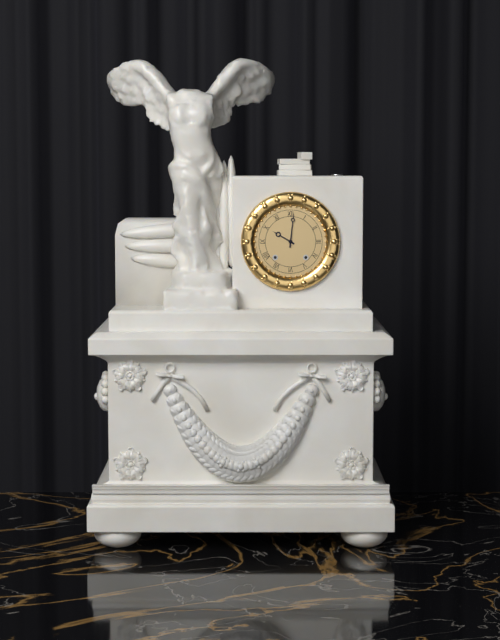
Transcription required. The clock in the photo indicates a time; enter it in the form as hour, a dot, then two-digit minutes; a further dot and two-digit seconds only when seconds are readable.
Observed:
10.01
